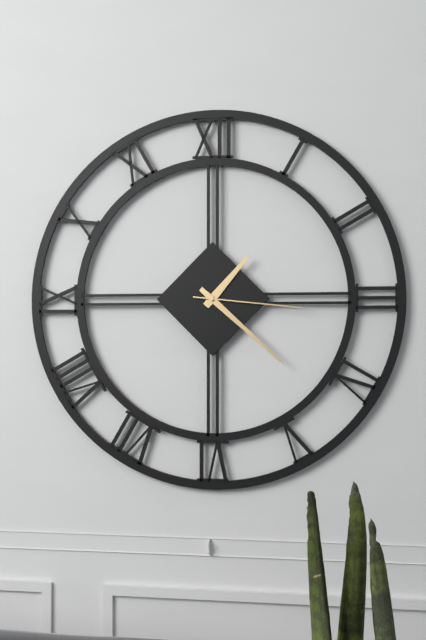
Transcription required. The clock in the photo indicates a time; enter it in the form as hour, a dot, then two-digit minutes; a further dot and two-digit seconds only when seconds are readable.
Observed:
1.22.16
